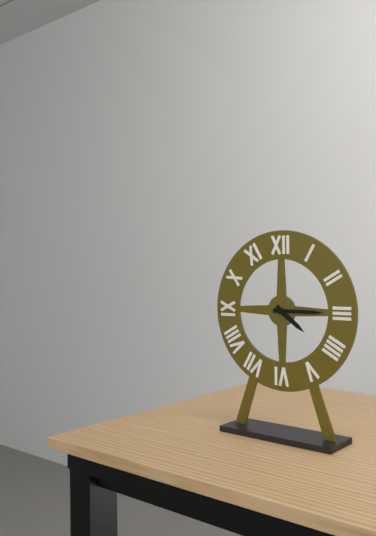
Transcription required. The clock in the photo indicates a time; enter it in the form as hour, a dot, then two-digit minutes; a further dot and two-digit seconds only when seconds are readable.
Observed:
4.15
